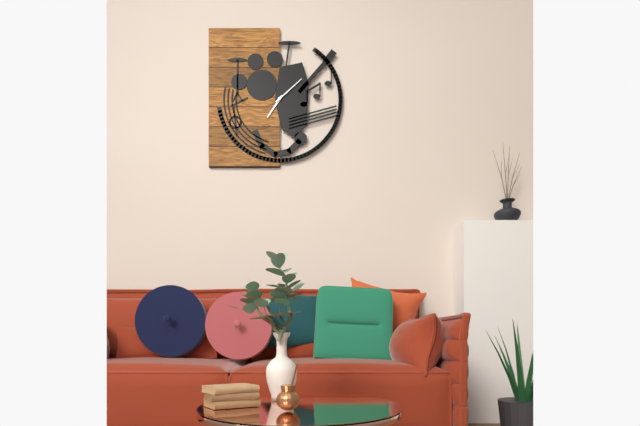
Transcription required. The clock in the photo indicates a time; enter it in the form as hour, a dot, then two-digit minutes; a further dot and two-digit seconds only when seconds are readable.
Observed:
7.08
